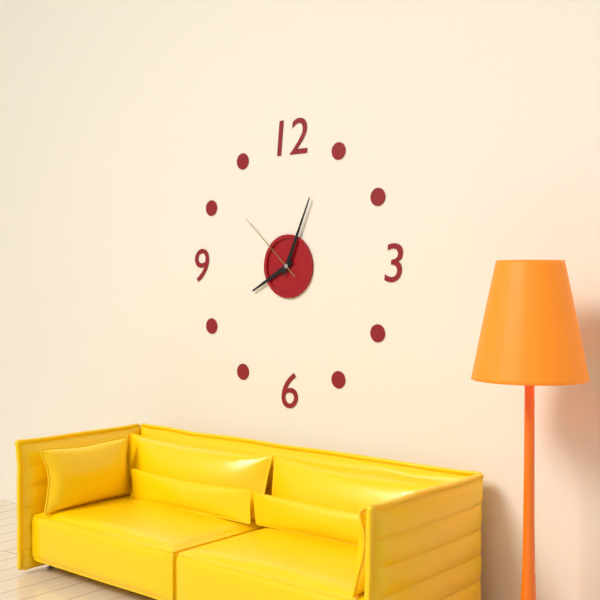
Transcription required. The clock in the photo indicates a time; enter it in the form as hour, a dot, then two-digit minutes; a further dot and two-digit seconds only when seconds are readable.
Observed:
8.04.52
